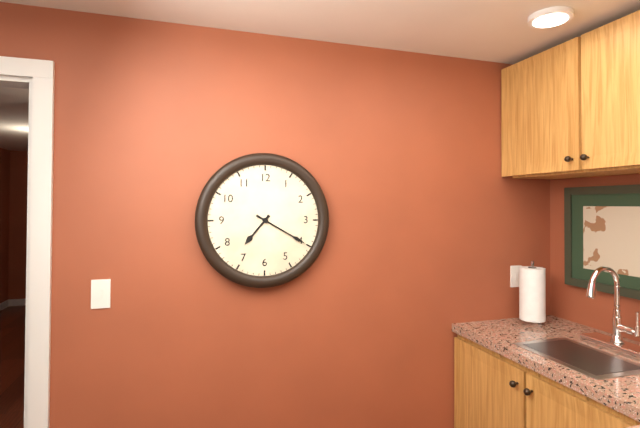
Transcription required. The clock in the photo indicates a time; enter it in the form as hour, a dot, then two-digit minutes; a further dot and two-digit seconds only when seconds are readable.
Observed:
7.20
